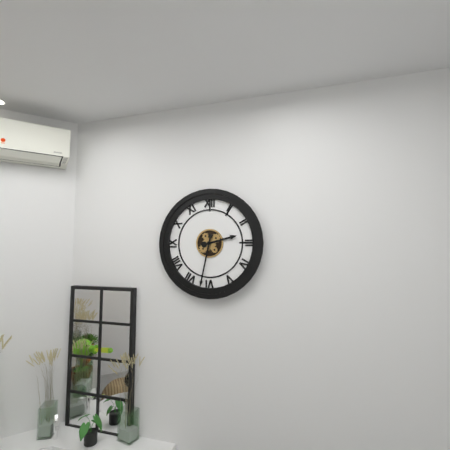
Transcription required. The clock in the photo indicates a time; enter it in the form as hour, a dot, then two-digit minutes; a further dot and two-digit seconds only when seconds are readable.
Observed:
2.32
